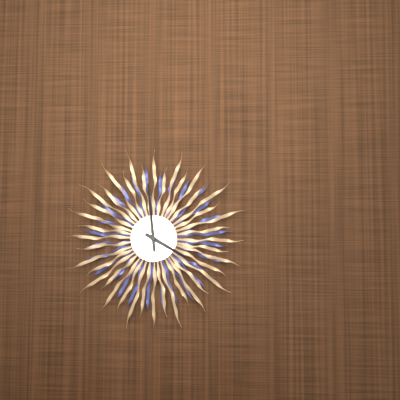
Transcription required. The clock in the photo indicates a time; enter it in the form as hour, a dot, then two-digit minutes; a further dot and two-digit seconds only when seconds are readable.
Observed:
3.59
